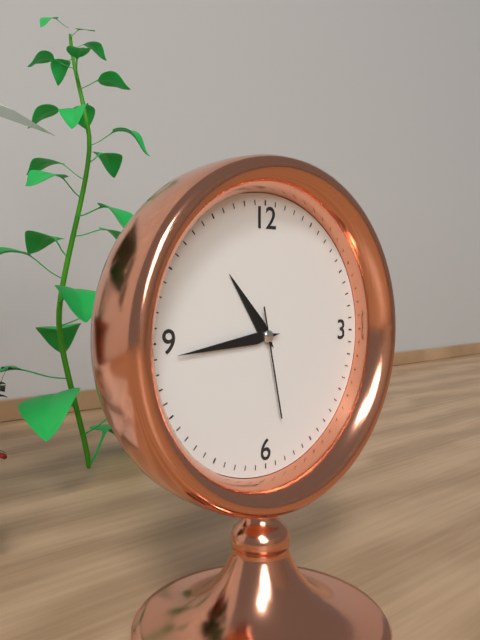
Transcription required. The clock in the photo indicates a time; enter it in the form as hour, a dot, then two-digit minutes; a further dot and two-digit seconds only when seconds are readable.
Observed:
10.44.28
